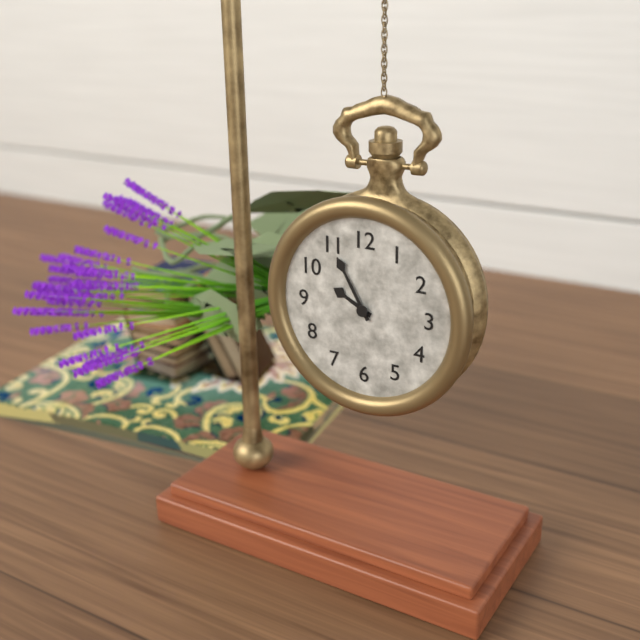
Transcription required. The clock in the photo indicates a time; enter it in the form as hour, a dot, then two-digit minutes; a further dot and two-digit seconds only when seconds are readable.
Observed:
9.55
